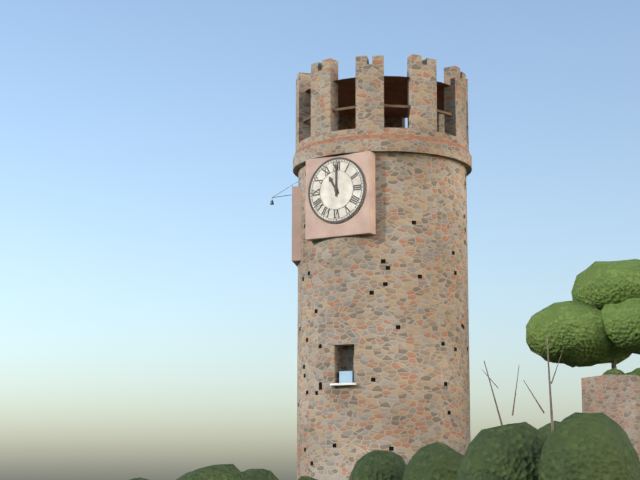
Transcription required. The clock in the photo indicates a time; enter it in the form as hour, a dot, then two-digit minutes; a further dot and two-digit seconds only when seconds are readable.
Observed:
11.00
